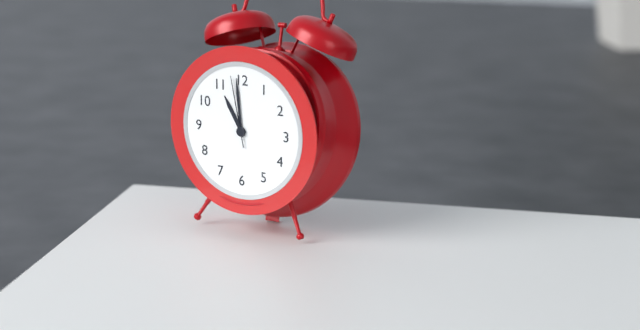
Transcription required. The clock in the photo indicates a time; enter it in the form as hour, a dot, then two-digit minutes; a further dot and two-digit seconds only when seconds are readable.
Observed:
10.59.58
